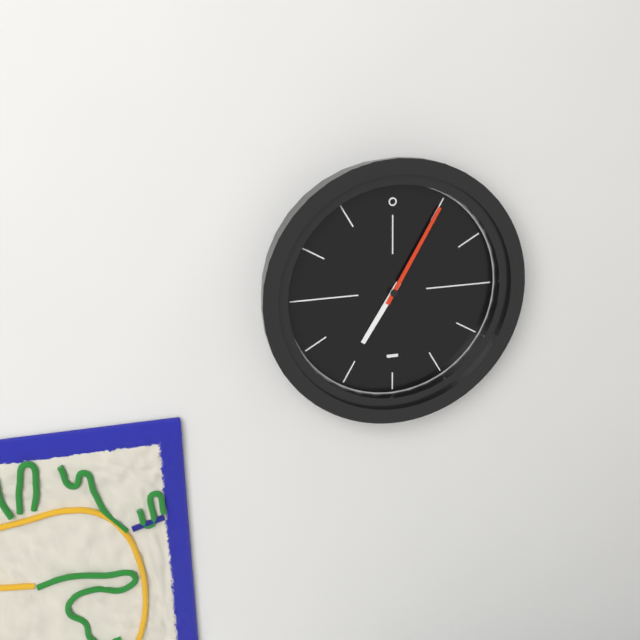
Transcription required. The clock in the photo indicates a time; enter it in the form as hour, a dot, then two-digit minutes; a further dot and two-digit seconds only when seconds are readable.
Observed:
7.05
